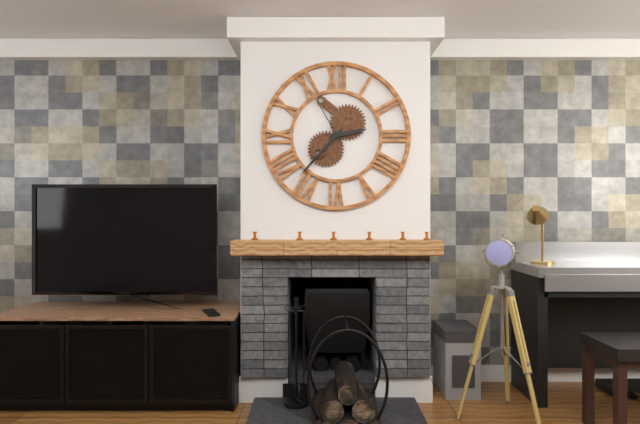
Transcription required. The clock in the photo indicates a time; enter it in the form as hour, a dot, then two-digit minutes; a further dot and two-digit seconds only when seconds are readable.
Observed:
2.37.55
